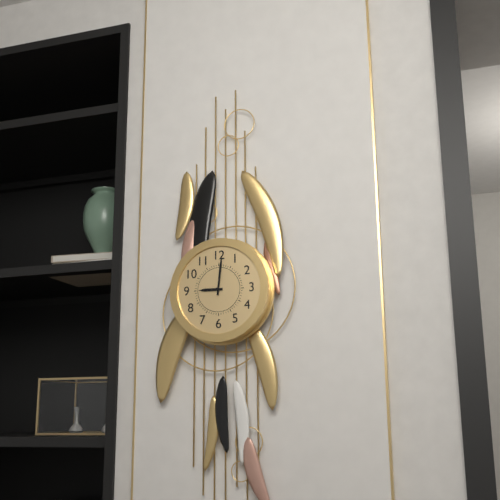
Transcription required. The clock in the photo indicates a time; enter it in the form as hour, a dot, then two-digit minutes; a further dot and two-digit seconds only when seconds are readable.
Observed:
9.01
